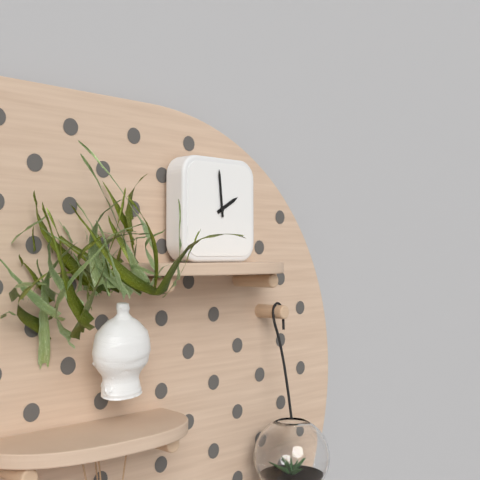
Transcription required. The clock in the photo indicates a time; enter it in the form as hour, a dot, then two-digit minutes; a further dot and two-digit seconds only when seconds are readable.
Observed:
1.59
